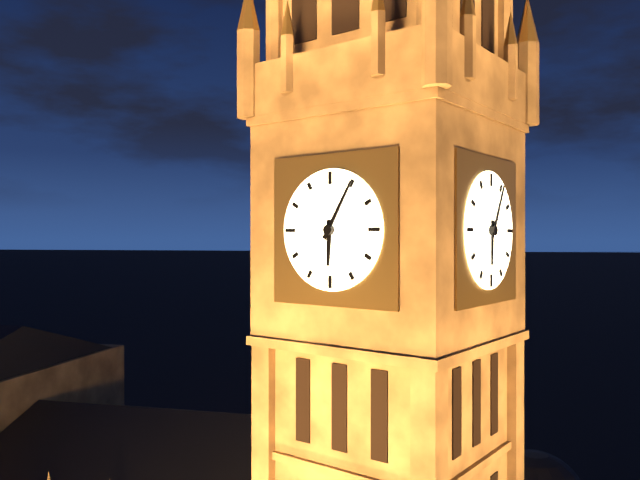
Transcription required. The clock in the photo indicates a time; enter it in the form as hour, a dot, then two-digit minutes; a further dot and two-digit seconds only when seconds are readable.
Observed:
6.05
